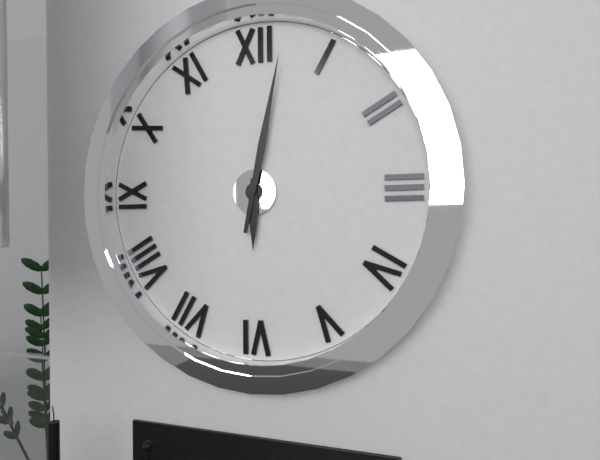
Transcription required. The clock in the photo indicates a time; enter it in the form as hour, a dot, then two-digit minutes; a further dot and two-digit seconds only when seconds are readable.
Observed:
6.02
